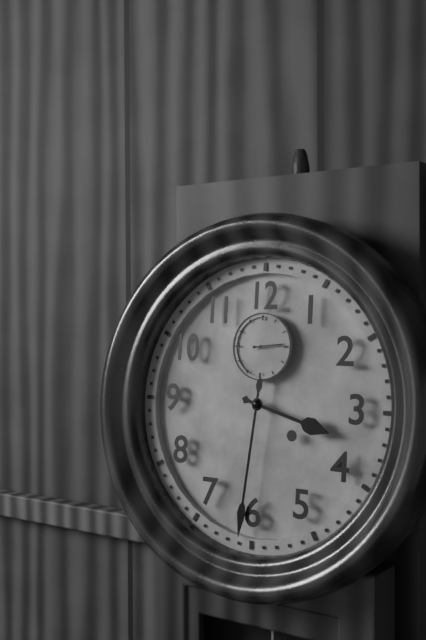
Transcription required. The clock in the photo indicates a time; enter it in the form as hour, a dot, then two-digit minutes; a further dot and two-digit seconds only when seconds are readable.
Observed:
3.31
